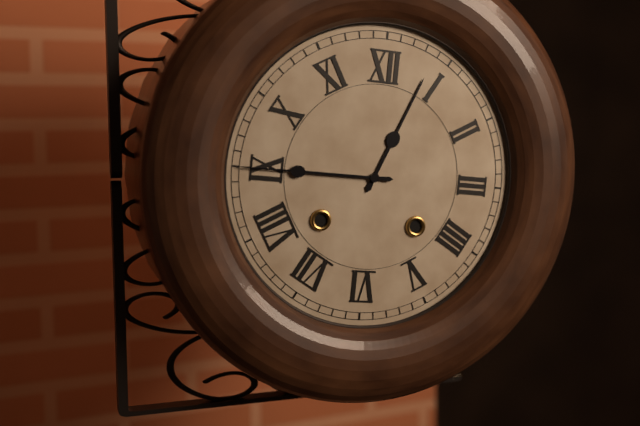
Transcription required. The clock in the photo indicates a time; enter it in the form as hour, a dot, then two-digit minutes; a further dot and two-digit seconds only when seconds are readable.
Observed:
12.45
